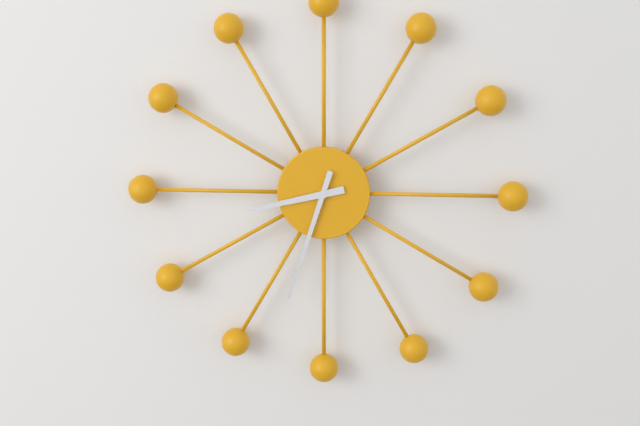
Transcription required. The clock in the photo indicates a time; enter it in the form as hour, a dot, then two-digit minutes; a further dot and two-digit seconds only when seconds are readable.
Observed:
8.33
